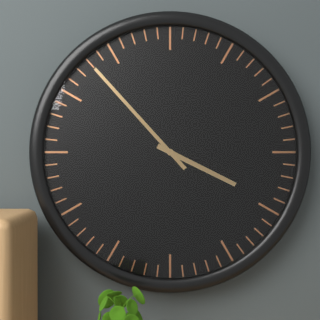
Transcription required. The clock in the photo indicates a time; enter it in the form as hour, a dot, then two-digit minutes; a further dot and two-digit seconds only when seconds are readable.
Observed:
3.53
